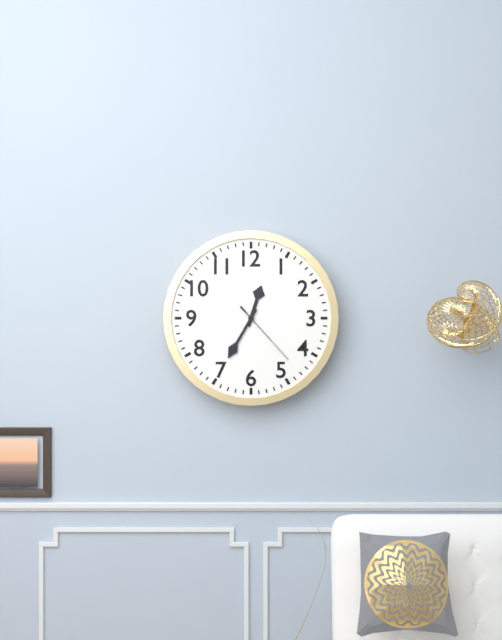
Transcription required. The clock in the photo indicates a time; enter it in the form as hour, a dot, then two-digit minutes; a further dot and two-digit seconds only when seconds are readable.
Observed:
12.35.23
